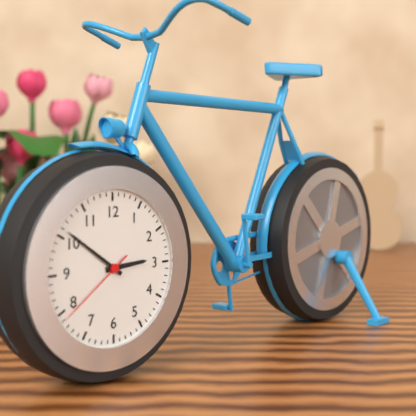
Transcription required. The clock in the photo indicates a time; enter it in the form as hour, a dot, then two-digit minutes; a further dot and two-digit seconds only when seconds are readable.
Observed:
2.51.39
